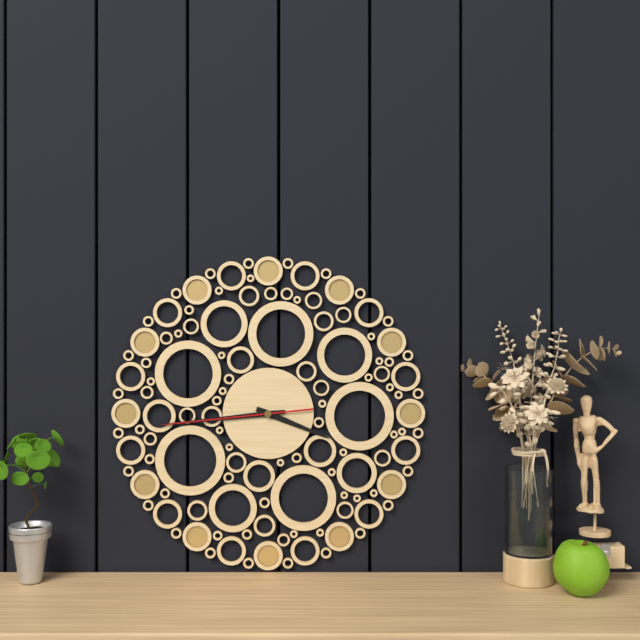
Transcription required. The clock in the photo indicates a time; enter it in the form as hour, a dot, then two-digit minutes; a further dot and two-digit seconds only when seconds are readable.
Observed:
3.44.44
